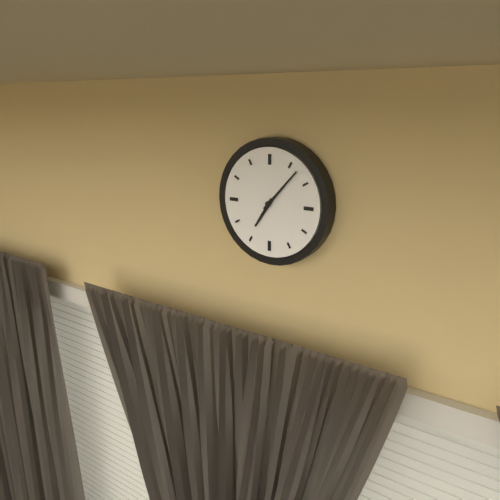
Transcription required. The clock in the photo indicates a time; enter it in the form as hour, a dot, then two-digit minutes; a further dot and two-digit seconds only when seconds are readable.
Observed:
7.07
